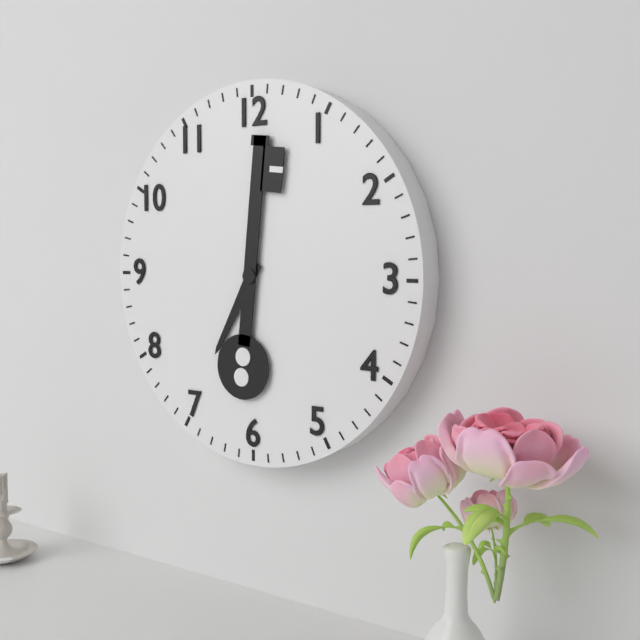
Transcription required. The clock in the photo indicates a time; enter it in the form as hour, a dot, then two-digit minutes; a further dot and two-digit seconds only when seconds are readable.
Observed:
7.01
